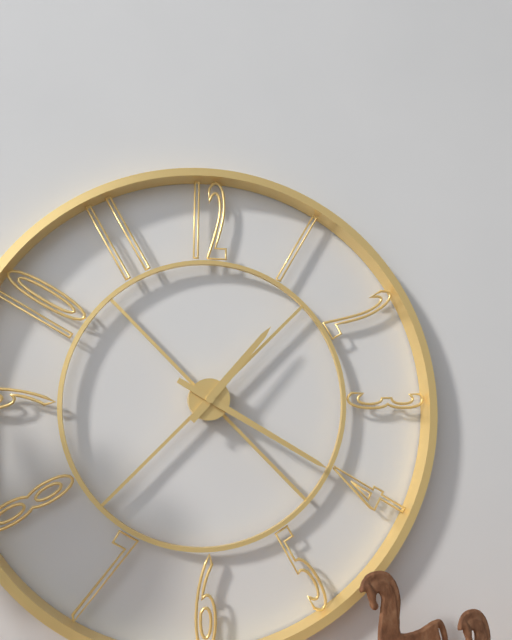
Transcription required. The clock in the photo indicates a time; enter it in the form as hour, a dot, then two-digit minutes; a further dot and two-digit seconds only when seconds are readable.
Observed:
1.20
